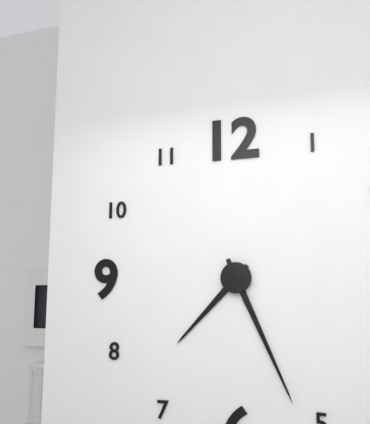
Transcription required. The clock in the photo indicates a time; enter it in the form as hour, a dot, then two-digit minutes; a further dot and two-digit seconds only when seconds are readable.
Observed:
7.26
